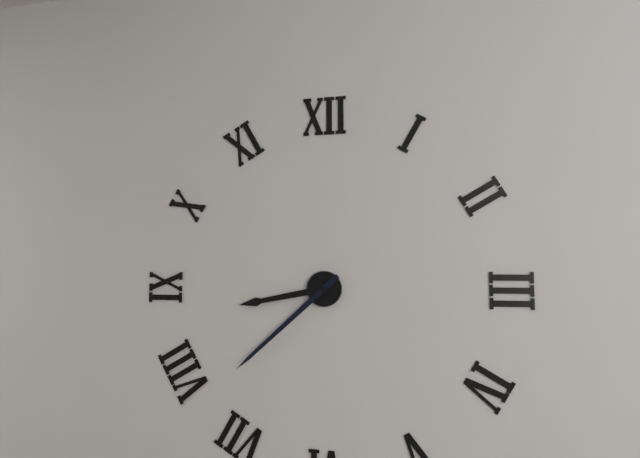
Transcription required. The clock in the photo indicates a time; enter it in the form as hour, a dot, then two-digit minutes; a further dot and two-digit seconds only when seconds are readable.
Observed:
8.38
